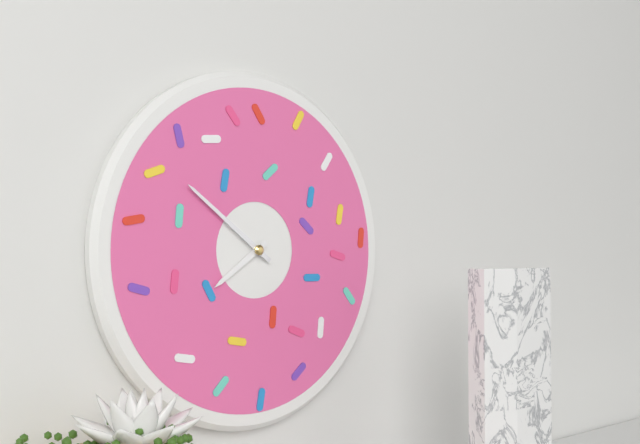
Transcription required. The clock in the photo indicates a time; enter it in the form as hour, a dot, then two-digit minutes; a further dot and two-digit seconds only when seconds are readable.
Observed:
7.51
